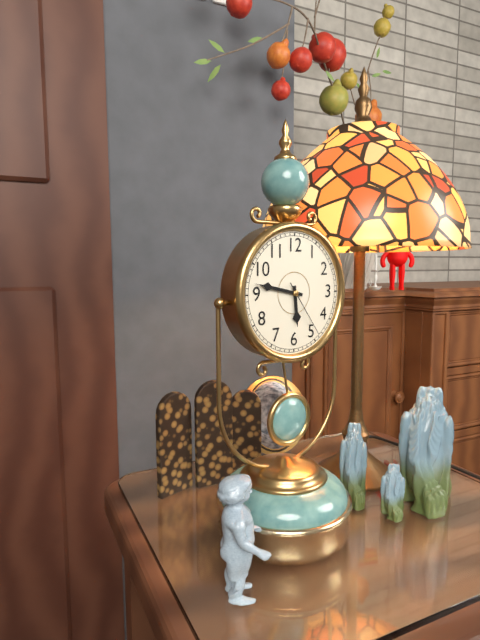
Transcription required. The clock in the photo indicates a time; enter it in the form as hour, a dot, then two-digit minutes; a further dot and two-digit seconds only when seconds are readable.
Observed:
5.47.24
